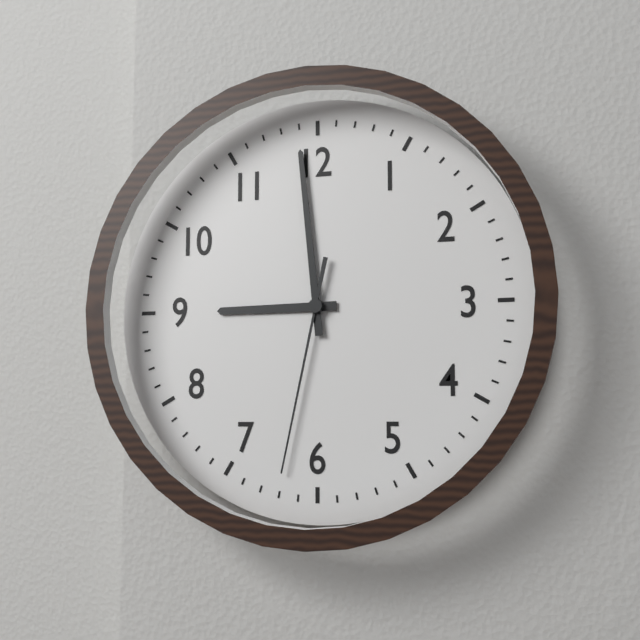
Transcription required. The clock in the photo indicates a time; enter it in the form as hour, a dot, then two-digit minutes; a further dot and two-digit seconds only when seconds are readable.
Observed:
8.59.32
